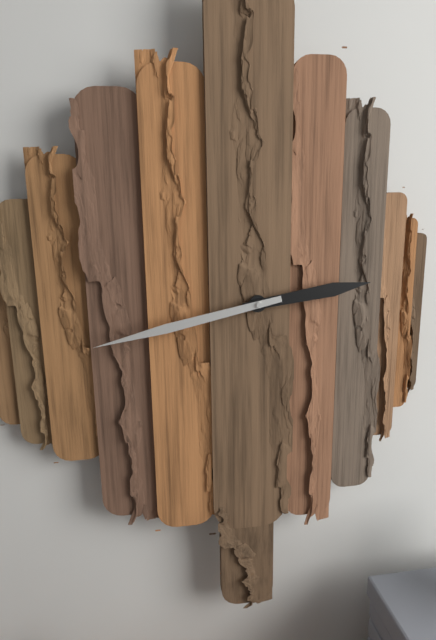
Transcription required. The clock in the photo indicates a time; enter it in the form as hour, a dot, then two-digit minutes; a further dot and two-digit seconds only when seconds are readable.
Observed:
2.43
